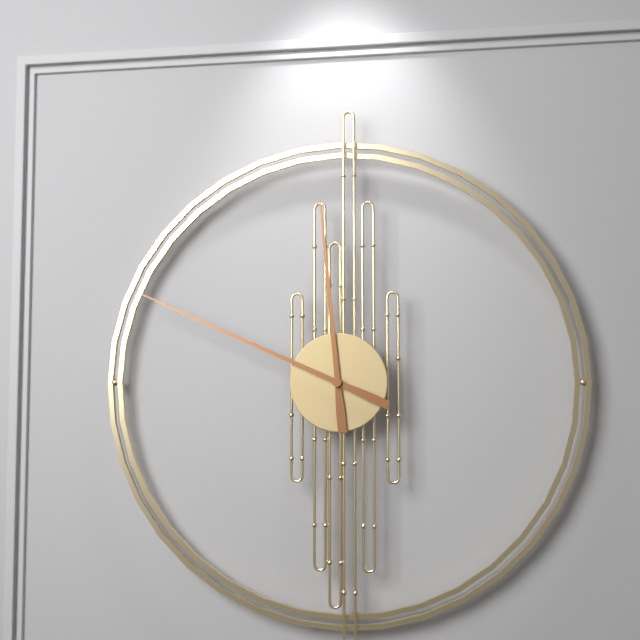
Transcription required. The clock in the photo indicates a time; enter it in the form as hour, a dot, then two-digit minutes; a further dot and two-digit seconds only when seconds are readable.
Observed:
11.49
